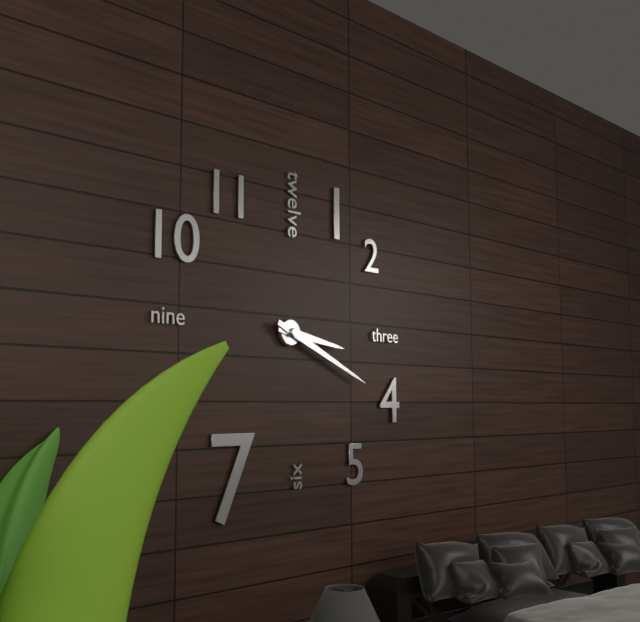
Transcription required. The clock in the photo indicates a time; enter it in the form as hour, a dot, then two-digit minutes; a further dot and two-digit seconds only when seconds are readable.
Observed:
3.19
